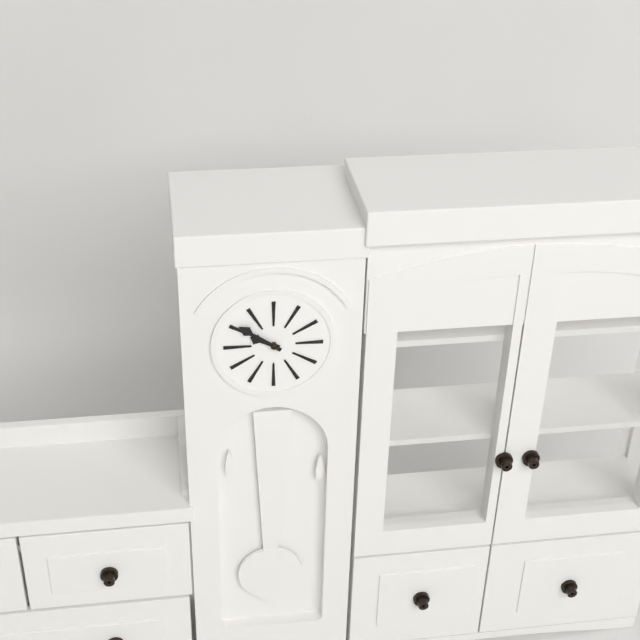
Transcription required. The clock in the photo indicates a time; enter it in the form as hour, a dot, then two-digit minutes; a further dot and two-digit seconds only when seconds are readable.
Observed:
9.51
